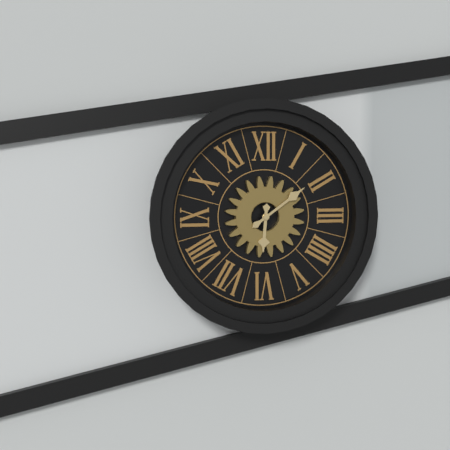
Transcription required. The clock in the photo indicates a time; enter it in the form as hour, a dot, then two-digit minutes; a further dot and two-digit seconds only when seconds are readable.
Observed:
6.09
